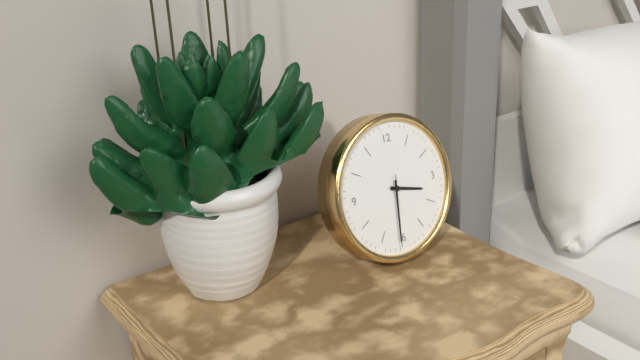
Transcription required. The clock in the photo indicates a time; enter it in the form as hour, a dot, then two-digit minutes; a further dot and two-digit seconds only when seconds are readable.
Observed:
3.31.31
